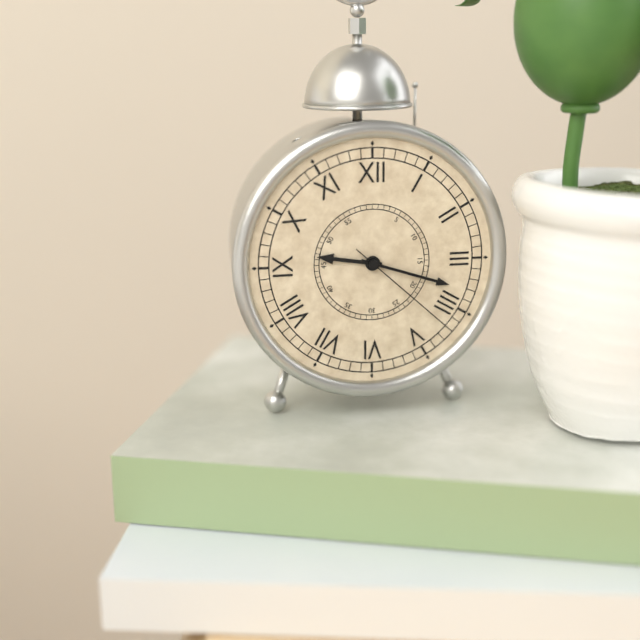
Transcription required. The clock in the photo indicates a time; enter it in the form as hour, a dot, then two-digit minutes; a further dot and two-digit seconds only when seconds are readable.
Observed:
9.18.22
